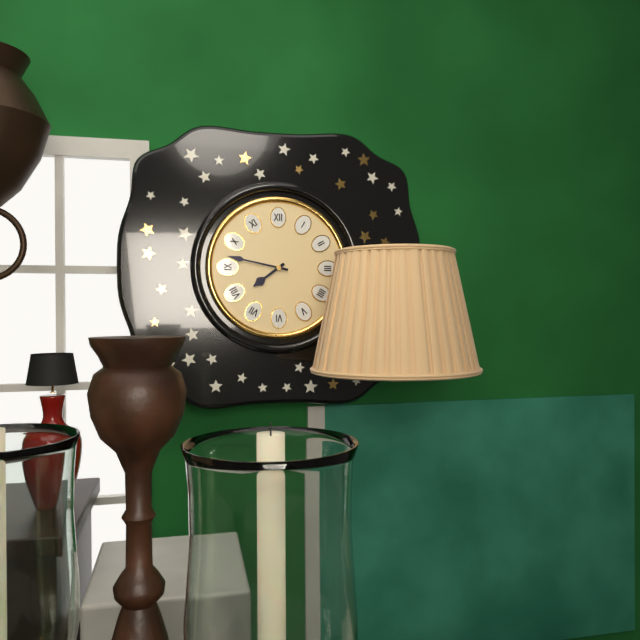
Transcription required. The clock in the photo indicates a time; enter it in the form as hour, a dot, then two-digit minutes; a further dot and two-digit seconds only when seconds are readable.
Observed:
7.47
